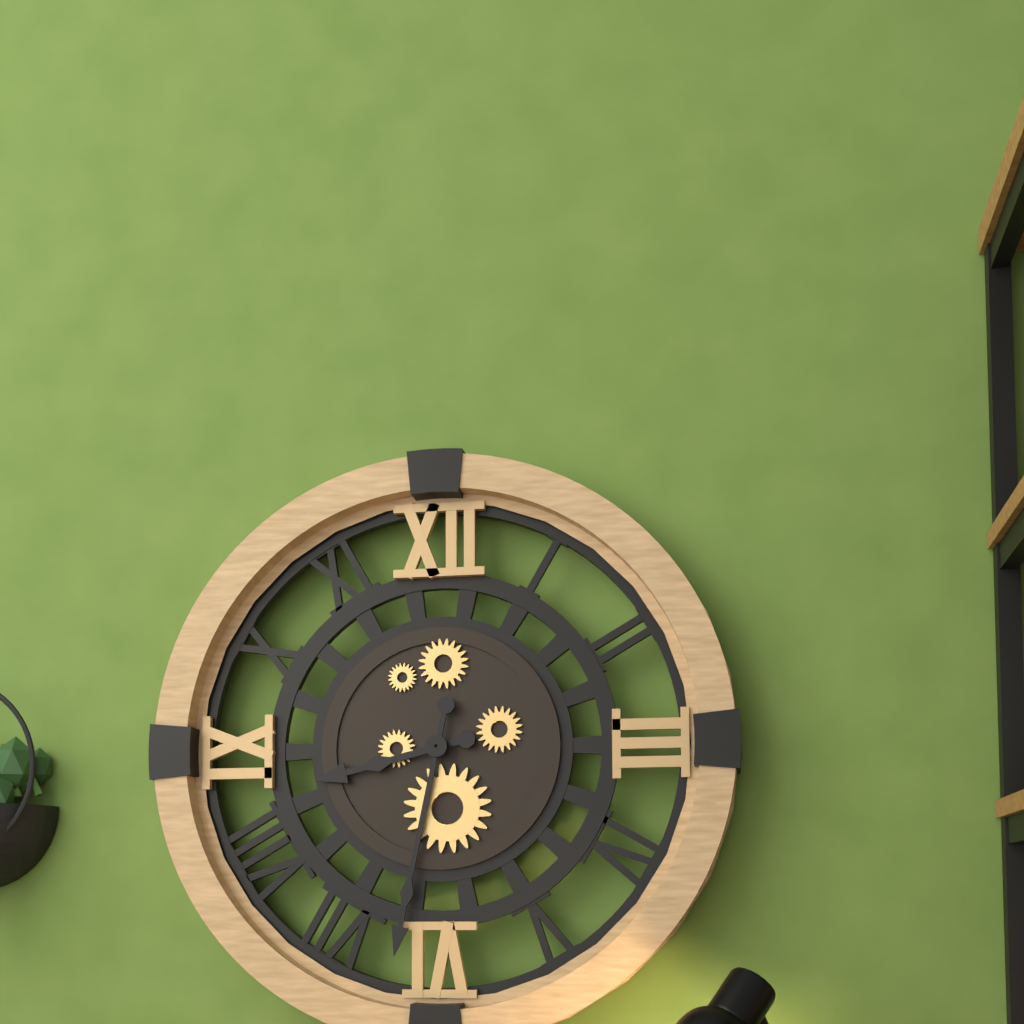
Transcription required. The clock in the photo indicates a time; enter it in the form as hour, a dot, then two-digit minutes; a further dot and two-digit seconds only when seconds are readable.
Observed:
8.32
